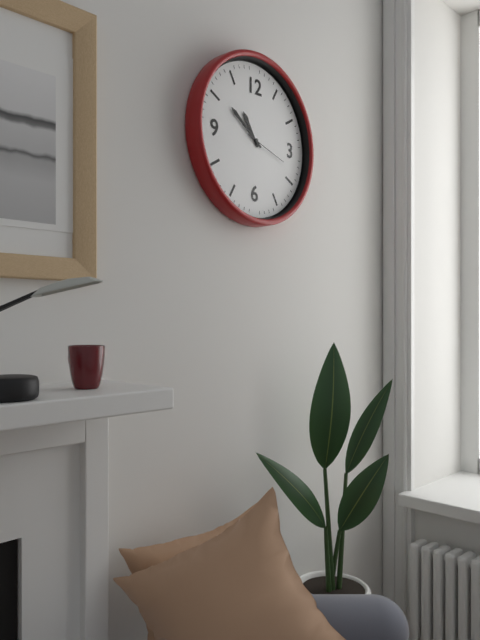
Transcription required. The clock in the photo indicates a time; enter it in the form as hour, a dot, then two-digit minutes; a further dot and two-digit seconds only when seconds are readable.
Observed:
10.51
